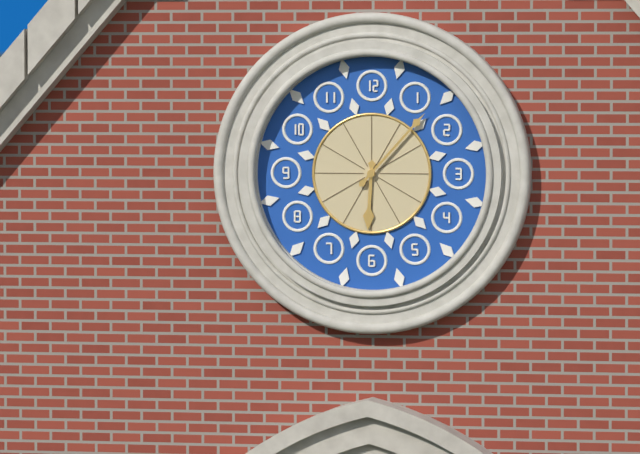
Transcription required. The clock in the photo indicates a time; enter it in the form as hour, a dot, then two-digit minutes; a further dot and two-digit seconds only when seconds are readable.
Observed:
6.07
